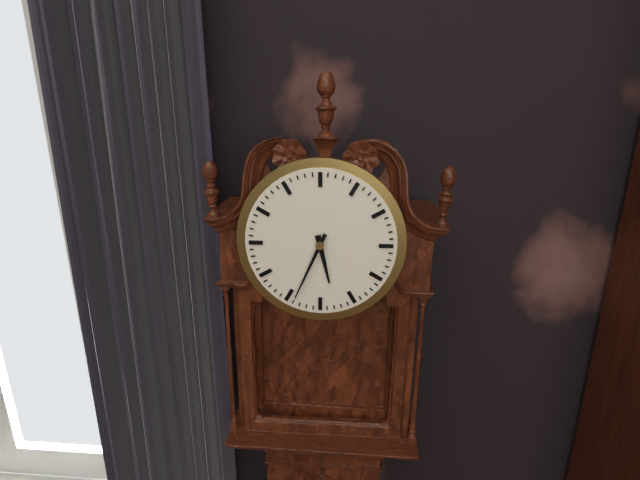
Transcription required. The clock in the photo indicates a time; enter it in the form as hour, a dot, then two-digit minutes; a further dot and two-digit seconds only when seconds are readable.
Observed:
5.34
